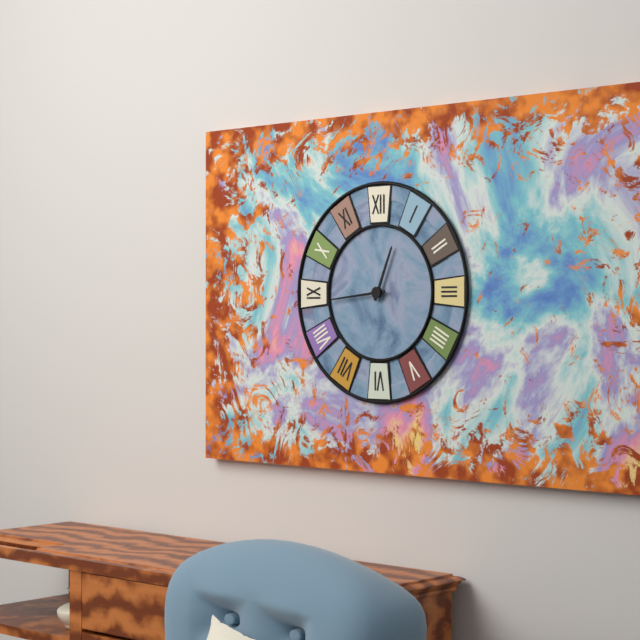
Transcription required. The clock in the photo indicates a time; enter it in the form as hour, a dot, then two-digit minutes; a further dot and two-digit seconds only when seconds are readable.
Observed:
12.44
